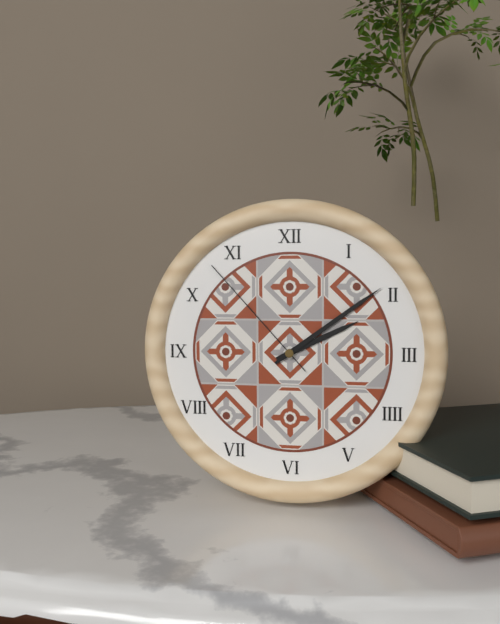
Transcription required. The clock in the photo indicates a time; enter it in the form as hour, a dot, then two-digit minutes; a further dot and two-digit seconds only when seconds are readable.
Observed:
2.09.53
